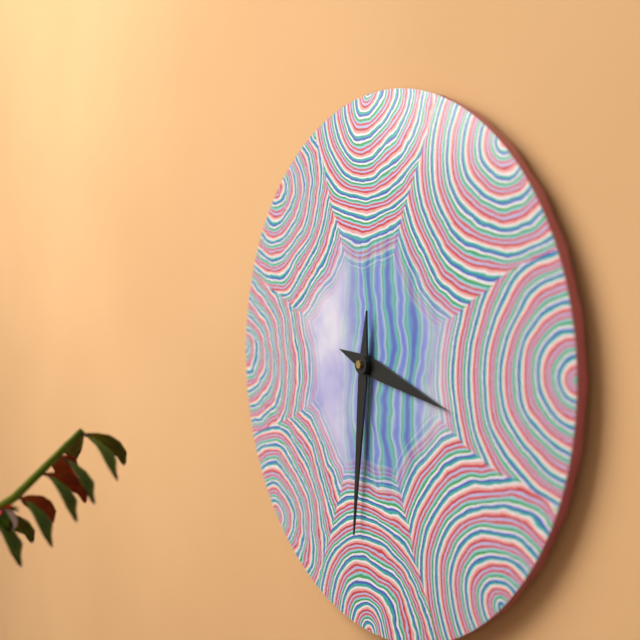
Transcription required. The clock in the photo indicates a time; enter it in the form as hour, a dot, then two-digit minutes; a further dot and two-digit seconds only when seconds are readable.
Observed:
3.31
